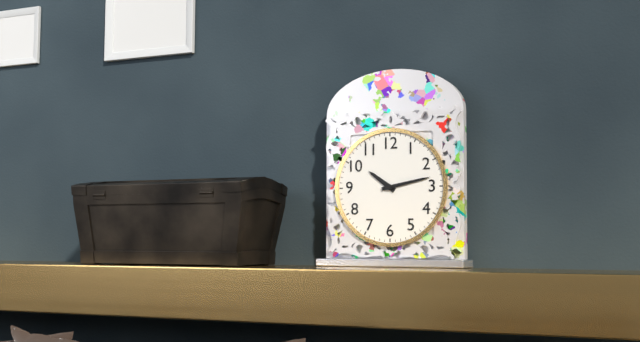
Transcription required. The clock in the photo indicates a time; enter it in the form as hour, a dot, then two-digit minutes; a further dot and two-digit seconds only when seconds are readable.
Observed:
10.13
